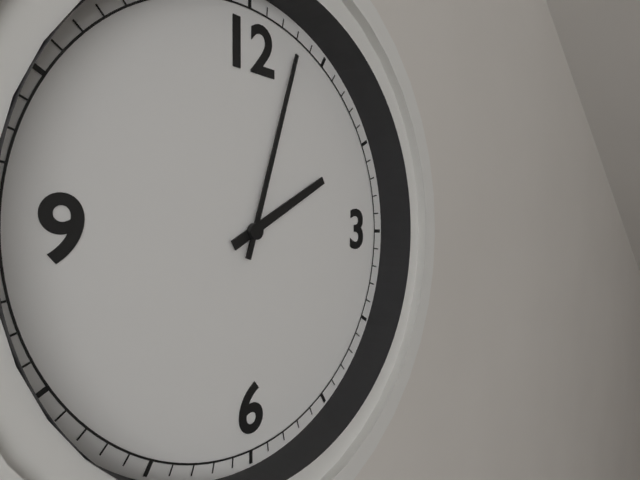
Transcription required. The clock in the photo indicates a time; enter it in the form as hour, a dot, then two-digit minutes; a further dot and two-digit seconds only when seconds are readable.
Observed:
2.03
